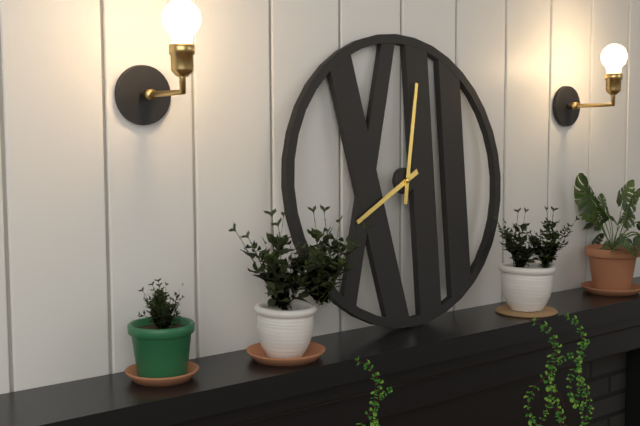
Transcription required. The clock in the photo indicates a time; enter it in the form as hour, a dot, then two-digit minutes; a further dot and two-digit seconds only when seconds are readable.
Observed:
8.02
